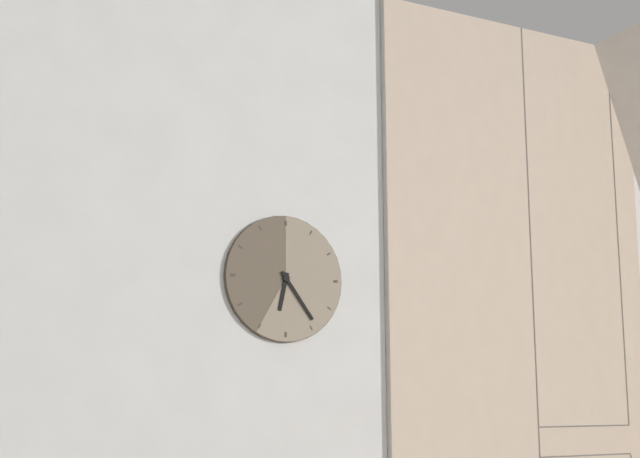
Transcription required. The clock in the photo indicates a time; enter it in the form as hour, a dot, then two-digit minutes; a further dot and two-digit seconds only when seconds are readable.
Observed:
6.24
